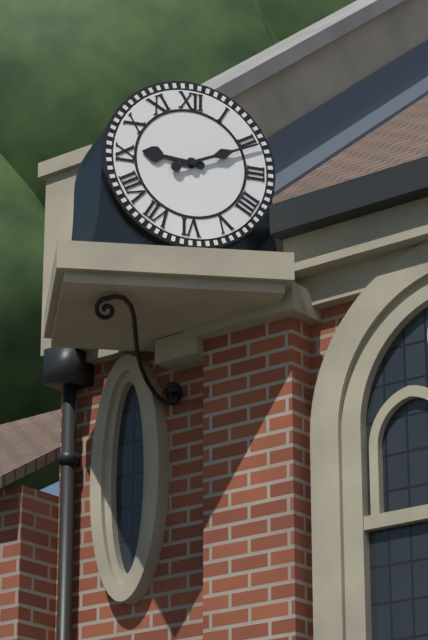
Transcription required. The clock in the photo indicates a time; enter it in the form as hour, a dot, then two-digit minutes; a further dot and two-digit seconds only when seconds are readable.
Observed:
9.11
